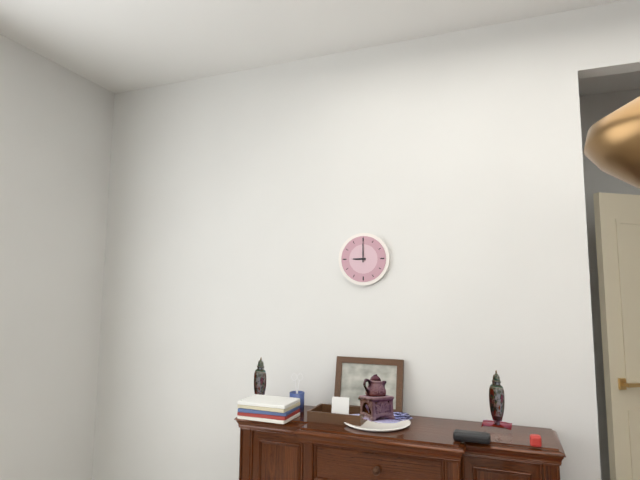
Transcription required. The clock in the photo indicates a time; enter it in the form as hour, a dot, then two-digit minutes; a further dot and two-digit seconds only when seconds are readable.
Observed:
9.00
